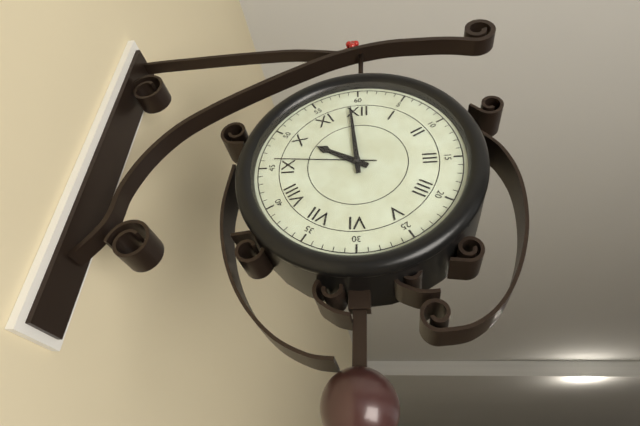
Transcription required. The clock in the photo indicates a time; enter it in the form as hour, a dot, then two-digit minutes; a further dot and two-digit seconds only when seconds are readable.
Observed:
9.59.46
